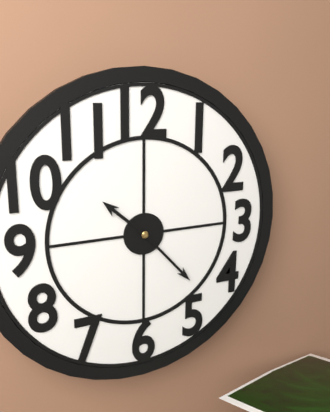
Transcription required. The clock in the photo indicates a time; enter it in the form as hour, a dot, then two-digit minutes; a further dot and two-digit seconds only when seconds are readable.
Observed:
10.23
